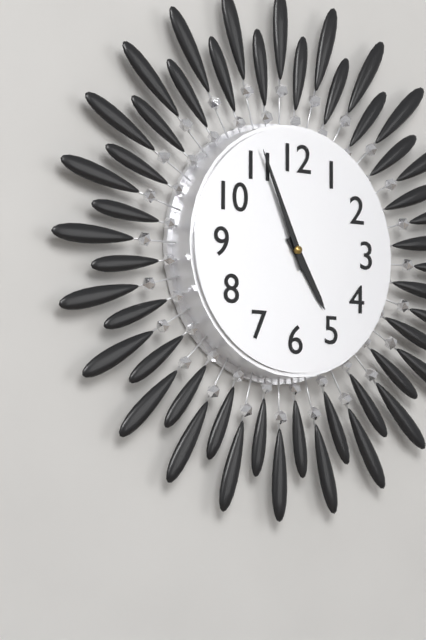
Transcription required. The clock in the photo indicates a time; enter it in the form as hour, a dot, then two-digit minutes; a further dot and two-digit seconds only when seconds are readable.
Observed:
4.56
